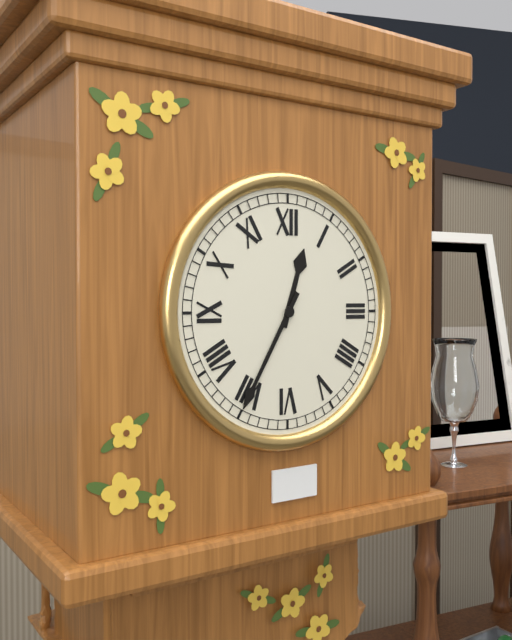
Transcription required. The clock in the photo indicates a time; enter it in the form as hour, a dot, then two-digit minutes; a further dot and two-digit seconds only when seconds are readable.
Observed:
12.35
